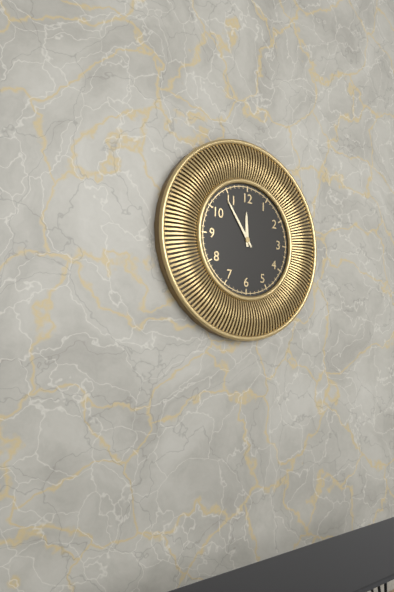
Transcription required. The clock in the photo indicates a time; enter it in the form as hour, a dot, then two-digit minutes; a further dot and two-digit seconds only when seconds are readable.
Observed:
11.54
